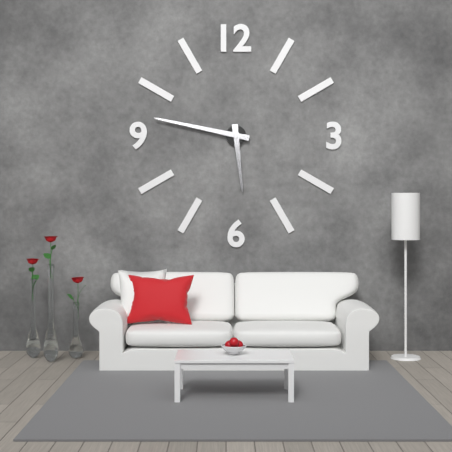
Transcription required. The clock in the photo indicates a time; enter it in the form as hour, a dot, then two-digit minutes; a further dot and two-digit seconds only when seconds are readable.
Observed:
5.47
